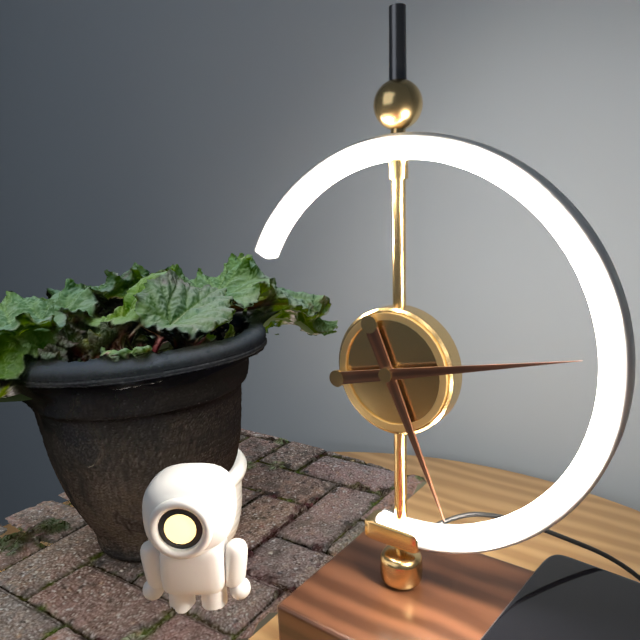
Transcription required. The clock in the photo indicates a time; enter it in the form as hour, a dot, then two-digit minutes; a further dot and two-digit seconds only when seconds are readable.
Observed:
5.13
